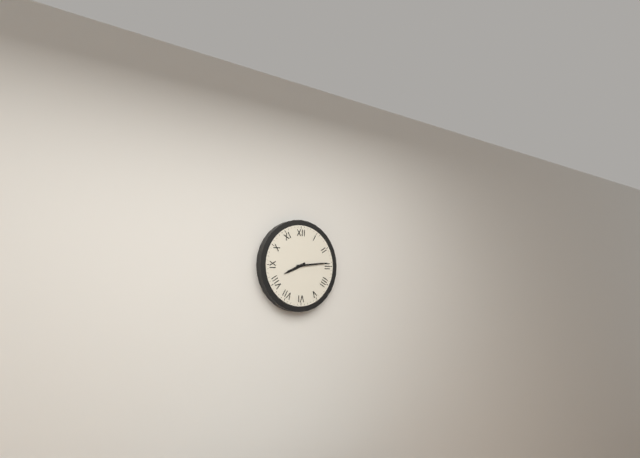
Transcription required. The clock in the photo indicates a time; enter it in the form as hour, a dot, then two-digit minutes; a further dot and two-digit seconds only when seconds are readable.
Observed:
8.14
